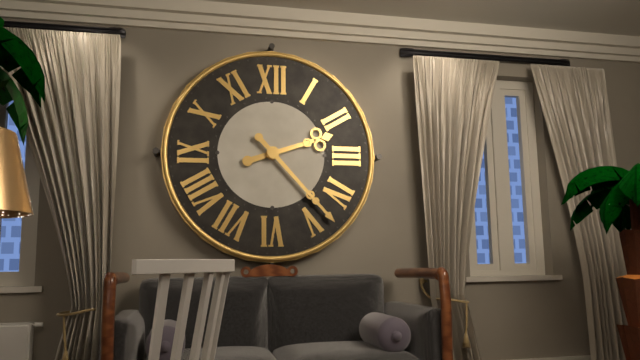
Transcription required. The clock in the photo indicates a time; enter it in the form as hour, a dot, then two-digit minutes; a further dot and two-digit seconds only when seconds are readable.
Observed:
2.23
